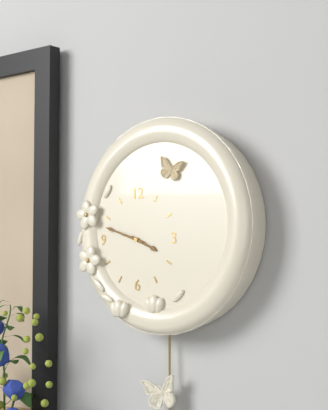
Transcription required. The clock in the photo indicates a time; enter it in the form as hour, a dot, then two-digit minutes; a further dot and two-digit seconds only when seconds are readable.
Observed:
3.48
